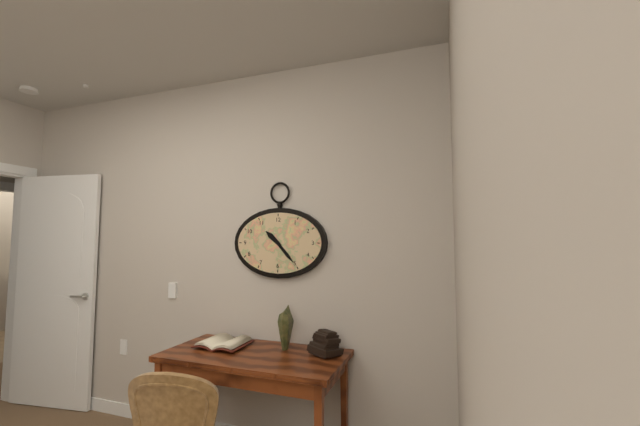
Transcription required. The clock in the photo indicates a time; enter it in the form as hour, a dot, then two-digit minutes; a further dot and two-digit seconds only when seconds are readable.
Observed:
10.23
